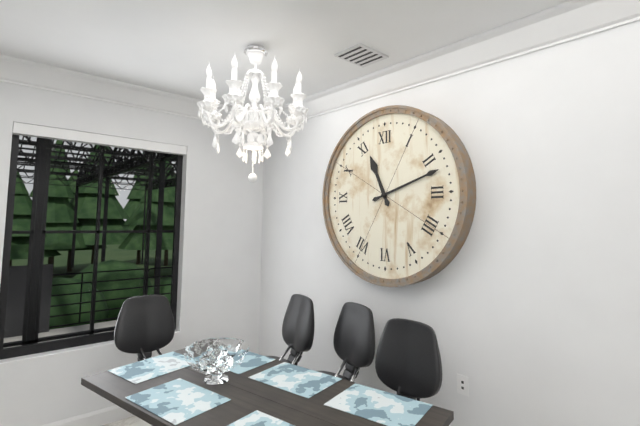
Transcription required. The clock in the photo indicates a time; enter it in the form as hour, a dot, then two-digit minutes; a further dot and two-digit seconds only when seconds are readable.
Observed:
11.12
